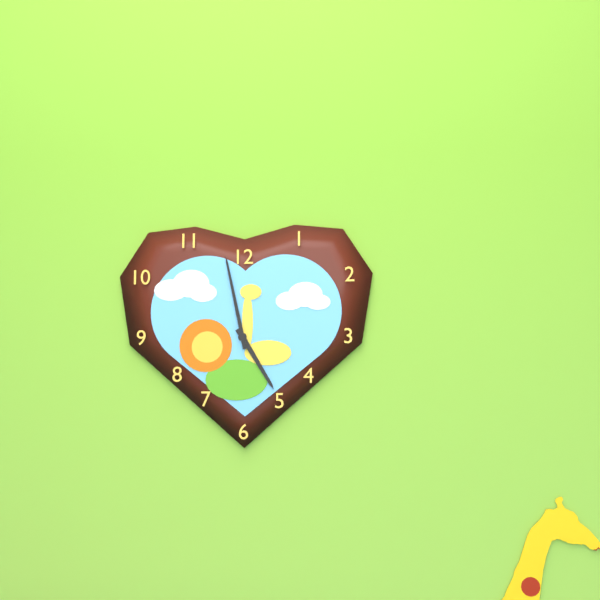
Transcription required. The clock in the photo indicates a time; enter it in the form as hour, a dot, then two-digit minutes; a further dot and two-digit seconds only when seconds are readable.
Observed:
4.58
